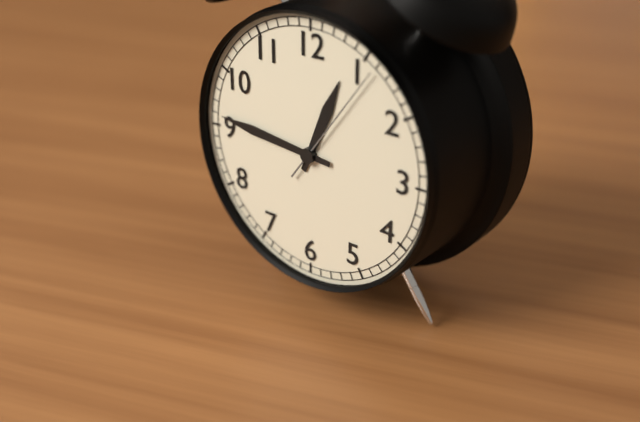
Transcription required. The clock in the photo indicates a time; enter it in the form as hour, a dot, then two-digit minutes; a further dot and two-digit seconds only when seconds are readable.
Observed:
12.46.06
